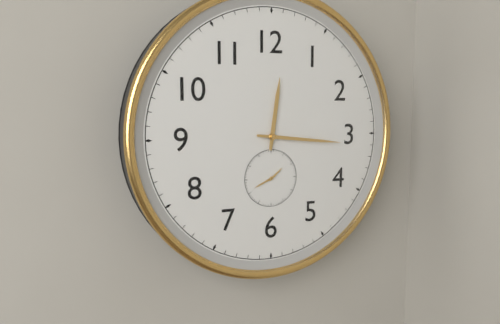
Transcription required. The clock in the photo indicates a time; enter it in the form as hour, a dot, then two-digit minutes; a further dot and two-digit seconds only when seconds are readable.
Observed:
12.16
